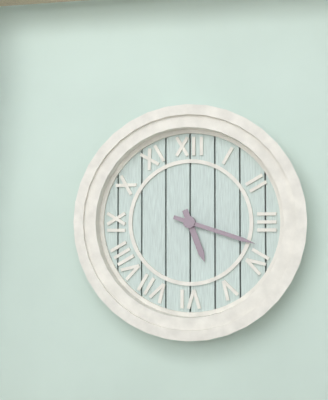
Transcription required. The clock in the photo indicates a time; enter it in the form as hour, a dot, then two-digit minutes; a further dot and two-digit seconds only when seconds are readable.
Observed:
5.18
